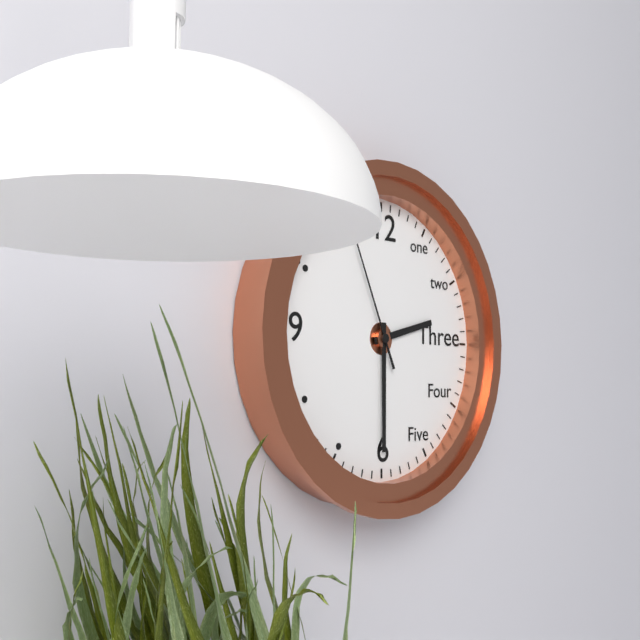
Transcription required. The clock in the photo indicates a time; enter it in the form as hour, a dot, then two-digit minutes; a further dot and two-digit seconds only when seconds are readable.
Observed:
2.30.56
